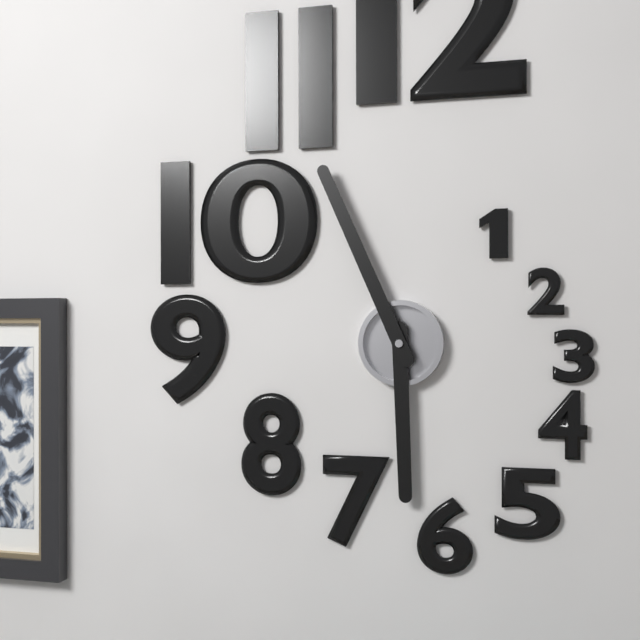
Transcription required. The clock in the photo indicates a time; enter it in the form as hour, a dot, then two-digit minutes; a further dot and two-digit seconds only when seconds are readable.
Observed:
5.56
